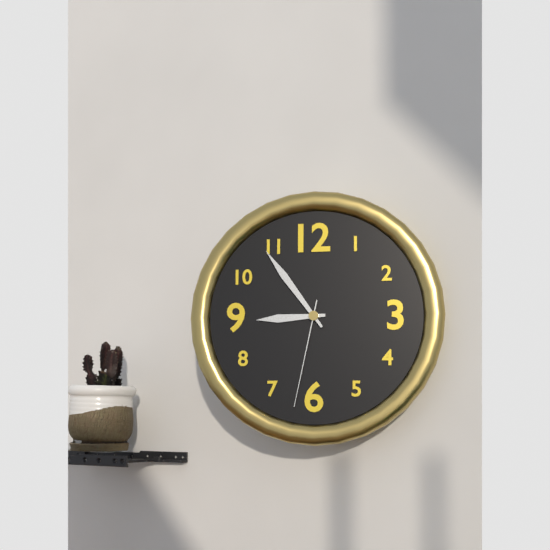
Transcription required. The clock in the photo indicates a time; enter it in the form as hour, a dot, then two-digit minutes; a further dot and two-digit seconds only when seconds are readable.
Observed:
8.54.32
